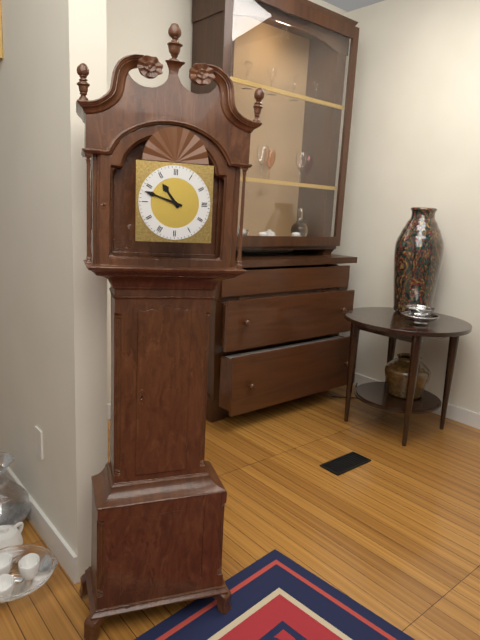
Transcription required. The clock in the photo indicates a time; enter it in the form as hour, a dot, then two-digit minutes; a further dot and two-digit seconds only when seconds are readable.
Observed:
10.48
